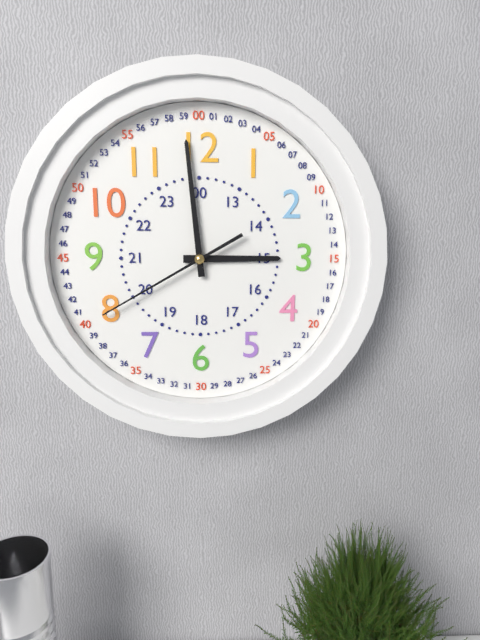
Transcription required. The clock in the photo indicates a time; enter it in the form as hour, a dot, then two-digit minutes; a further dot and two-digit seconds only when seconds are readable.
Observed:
2.59.40
